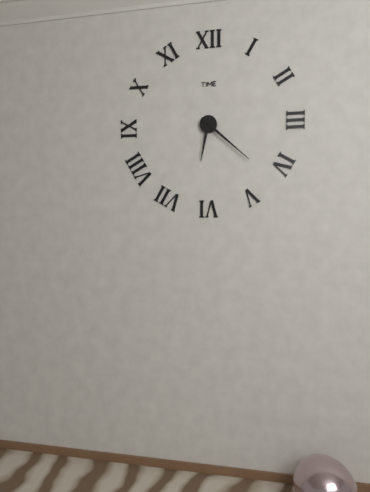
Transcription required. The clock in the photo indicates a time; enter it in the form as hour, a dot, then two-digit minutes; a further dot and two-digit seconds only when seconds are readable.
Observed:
6.22
